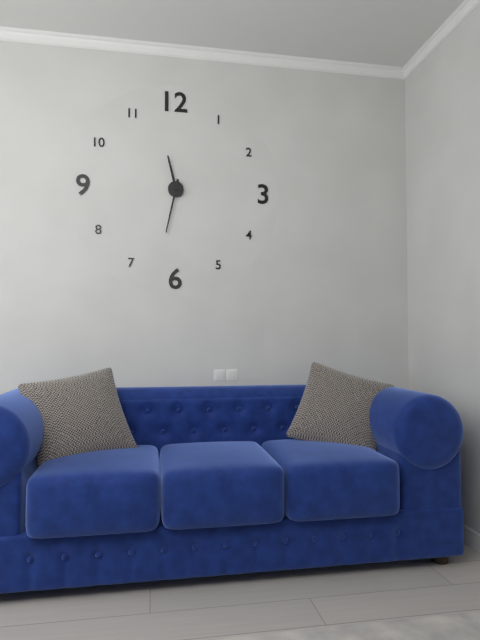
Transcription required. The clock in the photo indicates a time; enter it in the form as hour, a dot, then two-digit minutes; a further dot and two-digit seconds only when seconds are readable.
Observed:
11.32
